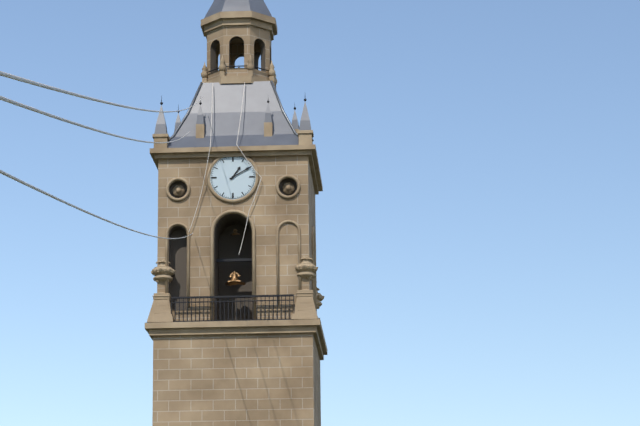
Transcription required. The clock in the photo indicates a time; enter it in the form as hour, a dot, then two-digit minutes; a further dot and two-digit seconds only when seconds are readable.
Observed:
1.10
